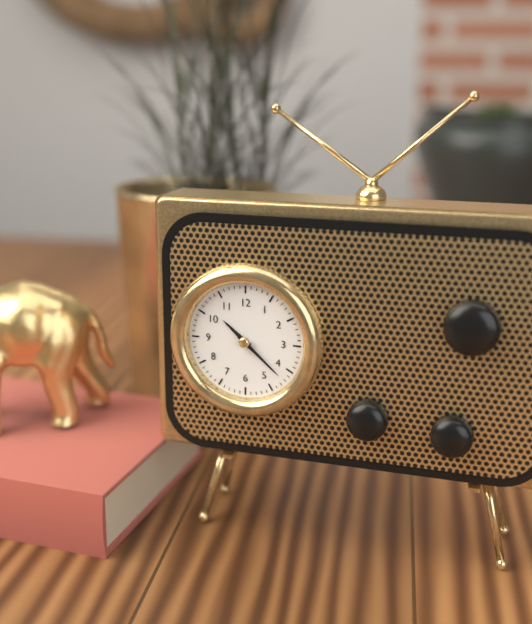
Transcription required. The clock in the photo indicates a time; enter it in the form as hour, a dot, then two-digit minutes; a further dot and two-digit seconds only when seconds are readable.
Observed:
10.22
